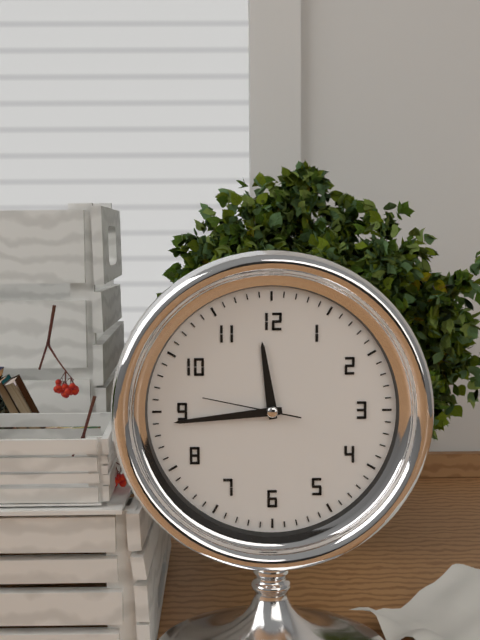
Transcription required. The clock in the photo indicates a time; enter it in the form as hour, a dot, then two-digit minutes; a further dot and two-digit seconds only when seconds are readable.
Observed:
11.44.47
